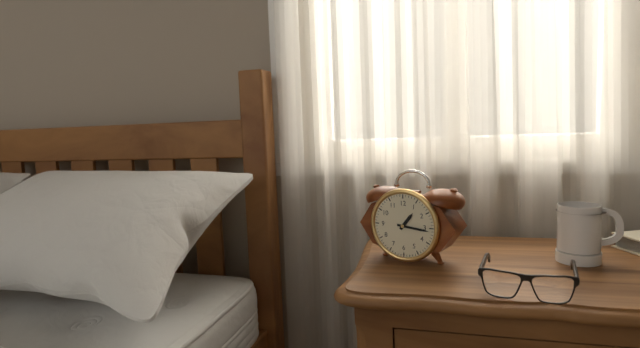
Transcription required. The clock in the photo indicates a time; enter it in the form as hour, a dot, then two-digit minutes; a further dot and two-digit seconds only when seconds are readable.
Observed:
1.16
